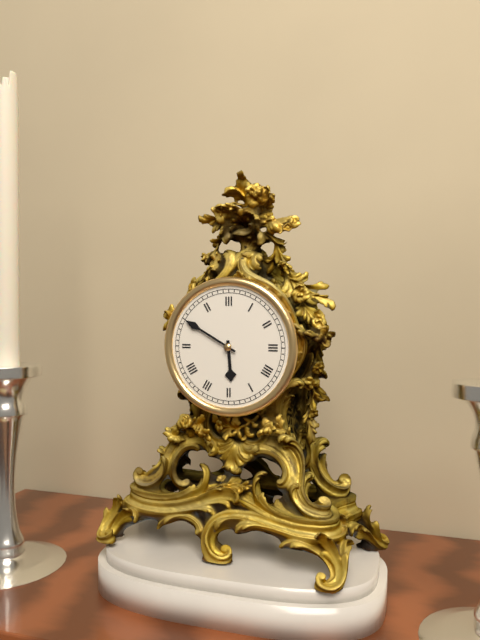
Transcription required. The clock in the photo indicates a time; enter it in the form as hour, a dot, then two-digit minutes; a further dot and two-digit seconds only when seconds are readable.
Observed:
5.50
